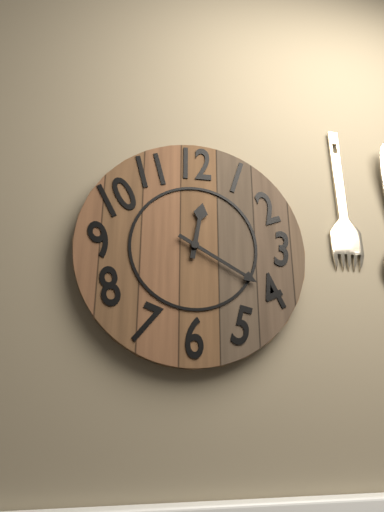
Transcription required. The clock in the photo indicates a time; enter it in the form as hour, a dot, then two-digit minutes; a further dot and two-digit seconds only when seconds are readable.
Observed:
12.20
